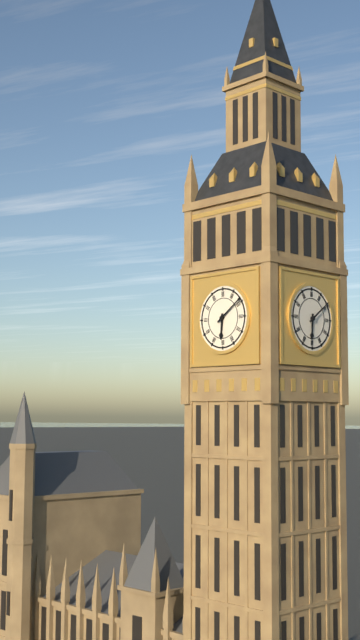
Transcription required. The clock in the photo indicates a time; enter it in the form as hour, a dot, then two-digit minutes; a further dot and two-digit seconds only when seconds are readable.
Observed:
6.09
